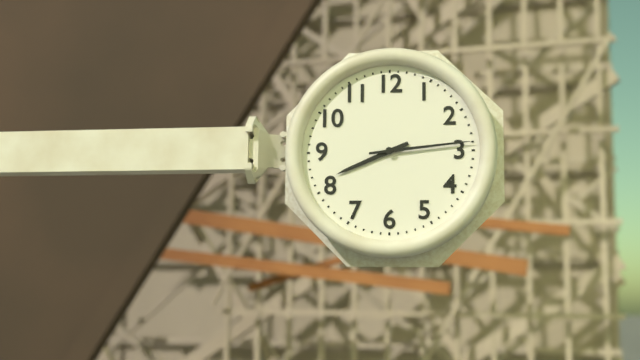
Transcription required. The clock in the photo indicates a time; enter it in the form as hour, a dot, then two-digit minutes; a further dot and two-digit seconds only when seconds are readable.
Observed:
8.14
